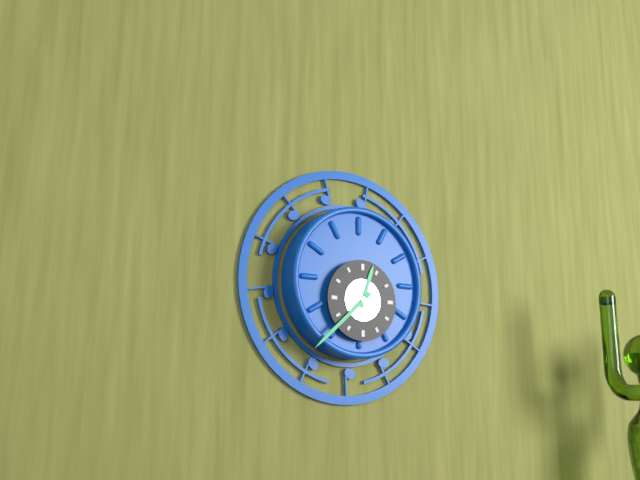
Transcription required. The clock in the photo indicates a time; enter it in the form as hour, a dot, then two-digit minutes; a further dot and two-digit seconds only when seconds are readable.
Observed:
12.38
